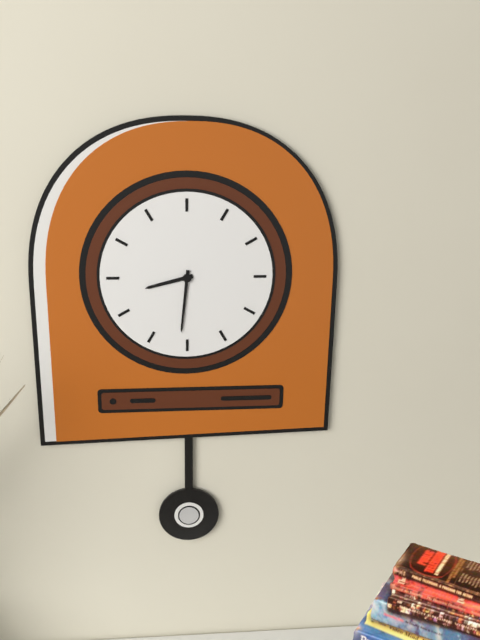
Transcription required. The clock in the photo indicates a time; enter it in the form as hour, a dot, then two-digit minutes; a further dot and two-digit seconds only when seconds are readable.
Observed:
8.31
